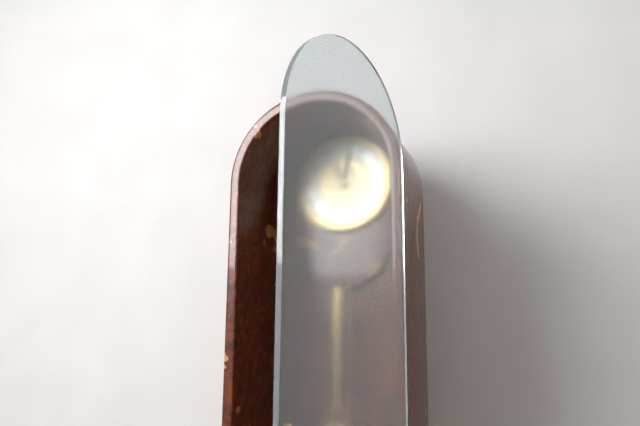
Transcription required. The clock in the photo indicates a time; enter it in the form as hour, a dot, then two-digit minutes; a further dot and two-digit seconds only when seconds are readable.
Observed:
11.02
